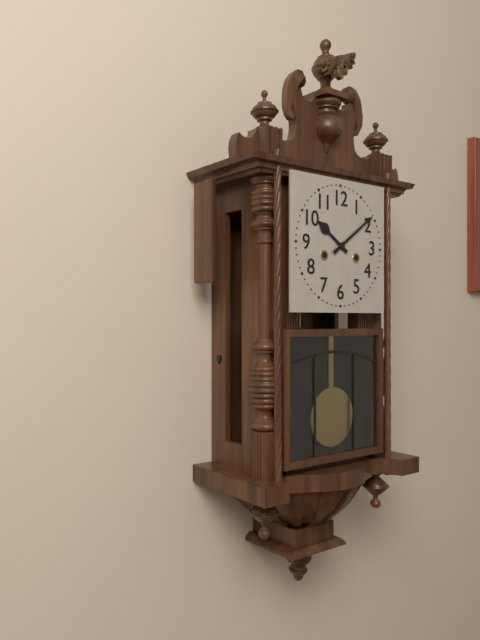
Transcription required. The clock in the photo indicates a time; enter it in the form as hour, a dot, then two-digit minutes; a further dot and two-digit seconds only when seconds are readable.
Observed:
10.09
